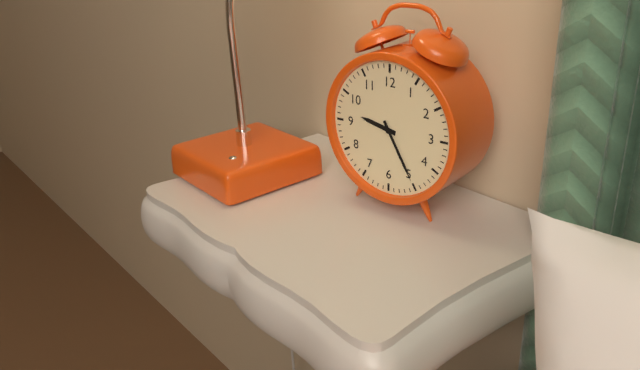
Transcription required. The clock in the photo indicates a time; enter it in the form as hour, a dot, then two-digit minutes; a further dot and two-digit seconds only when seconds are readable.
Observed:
9.25
